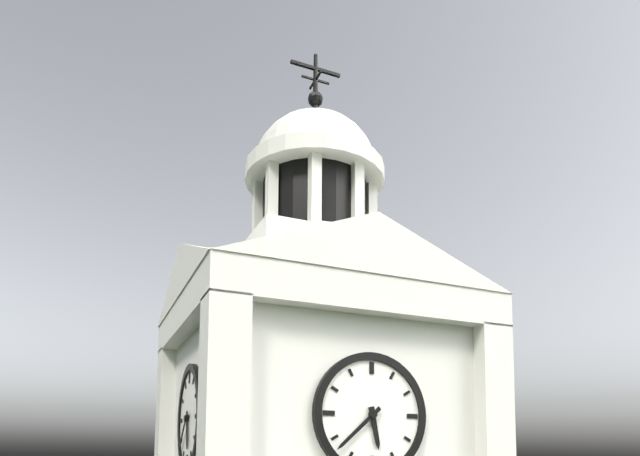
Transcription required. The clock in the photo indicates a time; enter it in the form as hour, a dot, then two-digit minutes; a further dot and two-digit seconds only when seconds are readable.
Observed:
5.38
